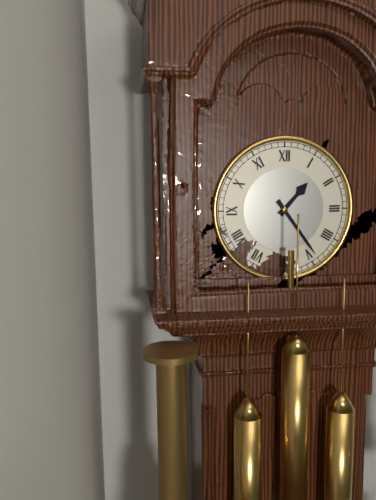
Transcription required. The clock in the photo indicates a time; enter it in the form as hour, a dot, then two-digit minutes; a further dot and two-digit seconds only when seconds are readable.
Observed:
1.24
